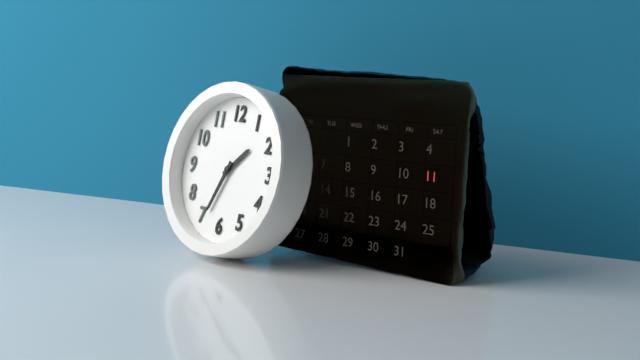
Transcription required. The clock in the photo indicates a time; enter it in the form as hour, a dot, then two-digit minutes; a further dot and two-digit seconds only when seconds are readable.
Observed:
1.34
